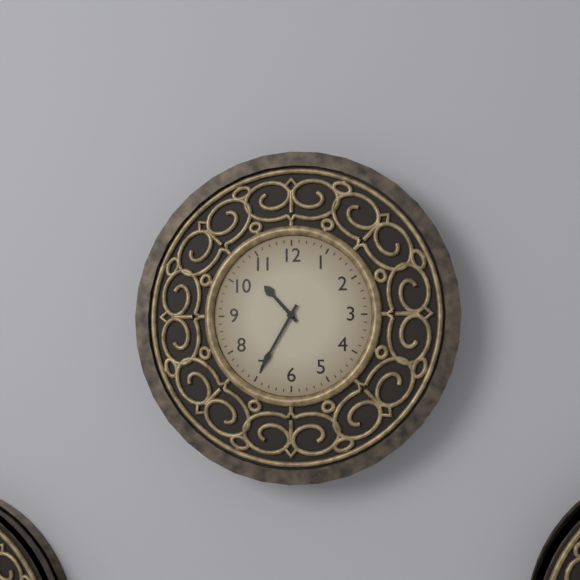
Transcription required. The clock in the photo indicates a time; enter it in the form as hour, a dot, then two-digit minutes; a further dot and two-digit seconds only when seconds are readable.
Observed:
10.35
